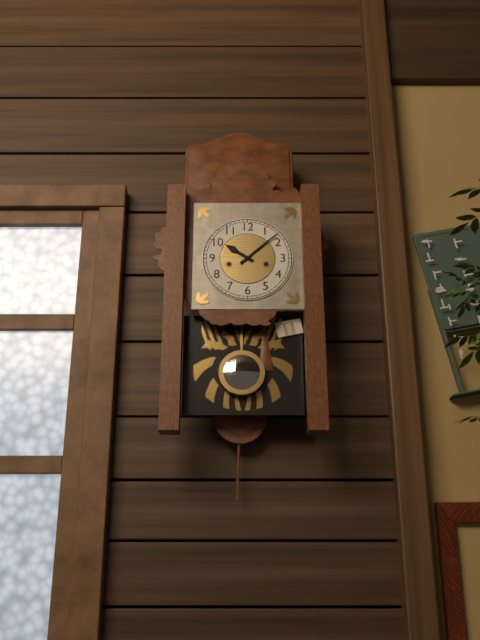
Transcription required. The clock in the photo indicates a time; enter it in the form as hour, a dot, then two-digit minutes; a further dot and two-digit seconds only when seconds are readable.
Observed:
10.08
